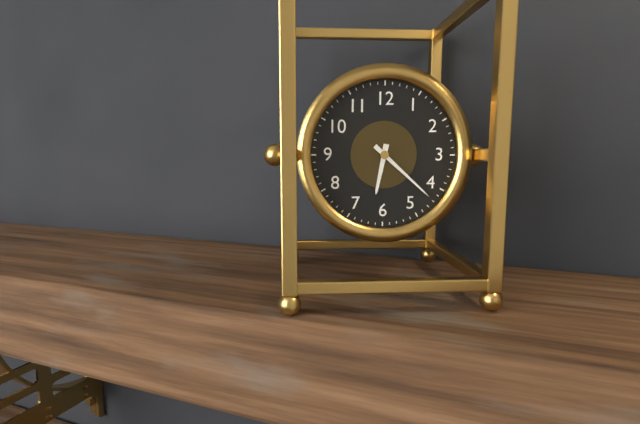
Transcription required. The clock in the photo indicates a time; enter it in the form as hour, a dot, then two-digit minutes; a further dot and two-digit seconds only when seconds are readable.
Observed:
6.22
